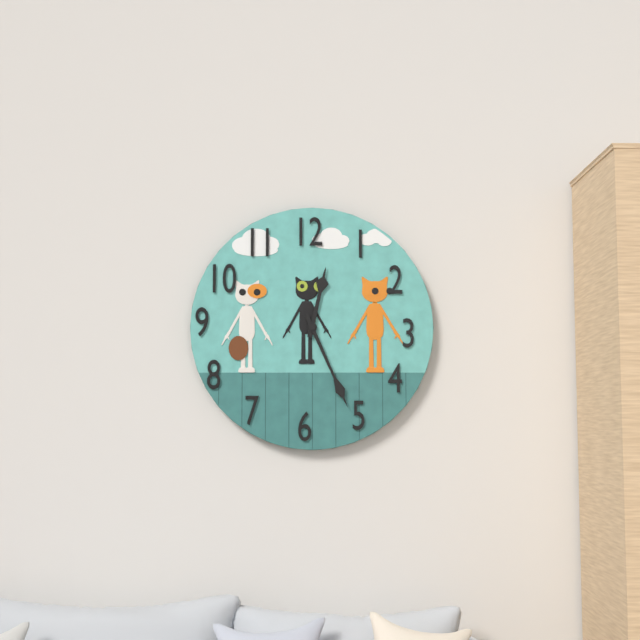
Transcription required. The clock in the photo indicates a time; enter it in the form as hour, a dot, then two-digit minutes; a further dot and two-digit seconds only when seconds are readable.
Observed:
12.26
